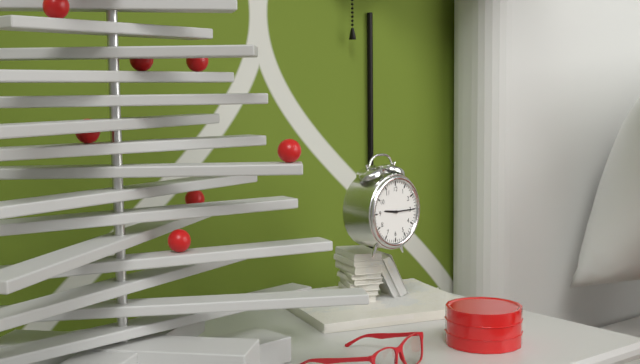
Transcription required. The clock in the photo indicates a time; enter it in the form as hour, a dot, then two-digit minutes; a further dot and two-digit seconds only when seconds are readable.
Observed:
9.15
